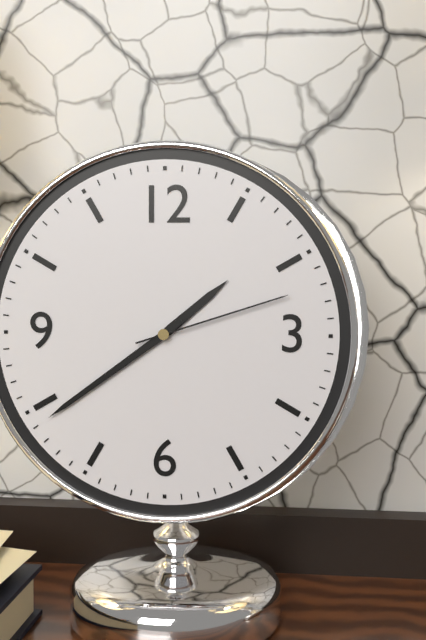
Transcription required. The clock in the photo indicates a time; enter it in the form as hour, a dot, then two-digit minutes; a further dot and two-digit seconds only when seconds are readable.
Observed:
1.39.12
